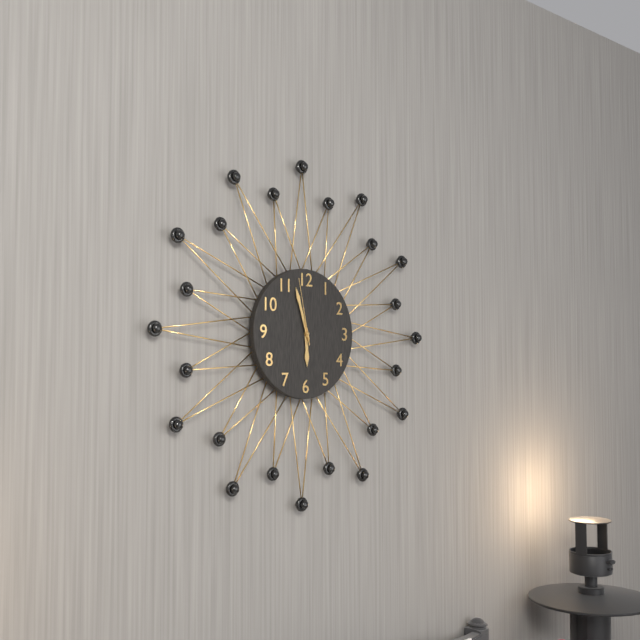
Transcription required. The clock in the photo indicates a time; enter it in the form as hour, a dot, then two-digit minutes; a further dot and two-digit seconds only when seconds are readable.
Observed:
5.57.58
